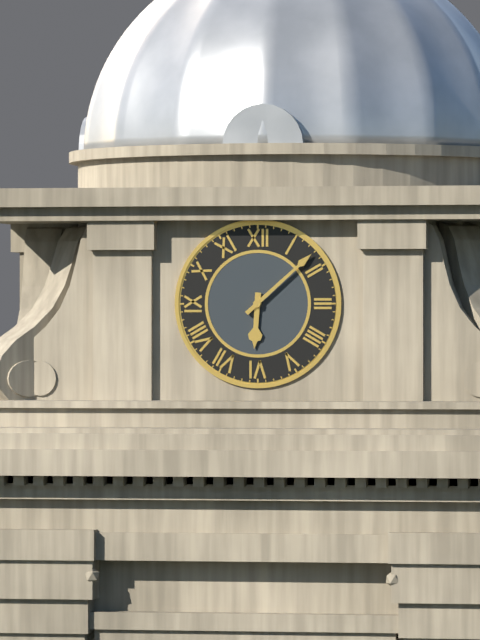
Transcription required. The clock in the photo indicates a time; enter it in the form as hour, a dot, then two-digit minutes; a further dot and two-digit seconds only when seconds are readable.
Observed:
6.08
